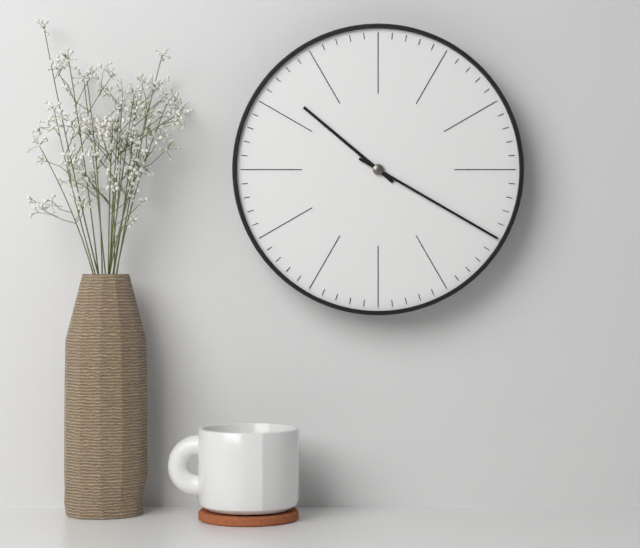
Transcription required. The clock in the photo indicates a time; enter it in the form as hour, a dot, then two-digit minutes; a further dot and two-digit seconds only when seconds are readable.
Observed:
10.20
